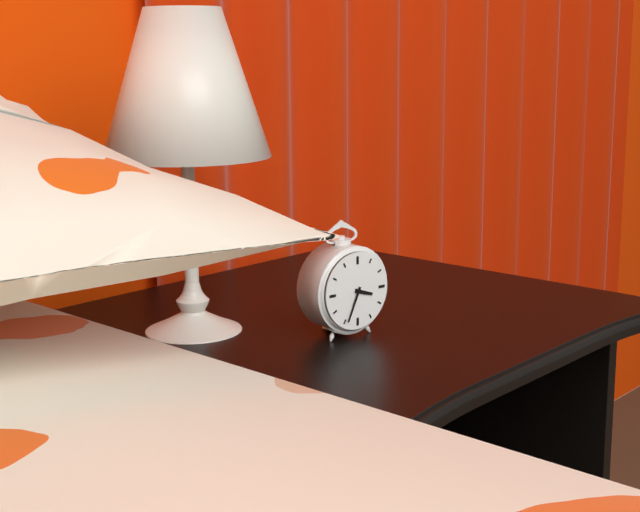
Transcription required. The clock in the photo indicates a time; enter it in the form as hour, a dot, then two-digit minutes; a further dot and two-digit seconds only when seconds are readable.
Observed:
3.34
